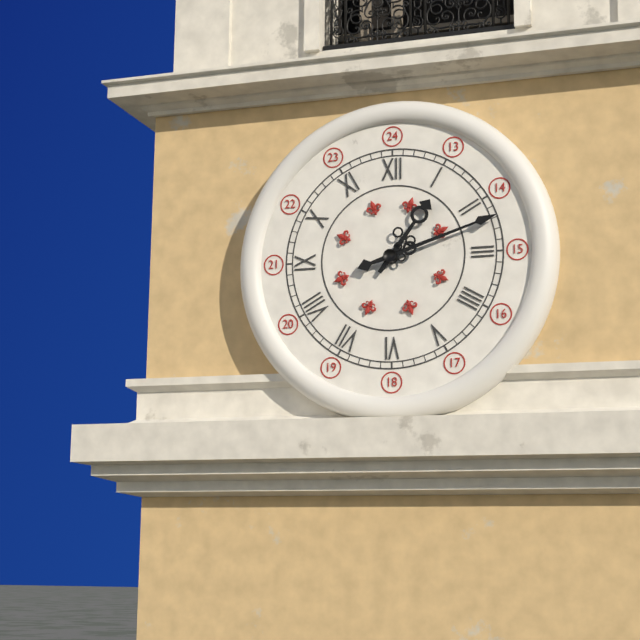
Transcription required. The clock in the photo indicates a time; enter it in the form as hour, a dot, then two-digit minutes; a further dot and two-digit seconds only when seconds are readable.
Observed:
1.12
